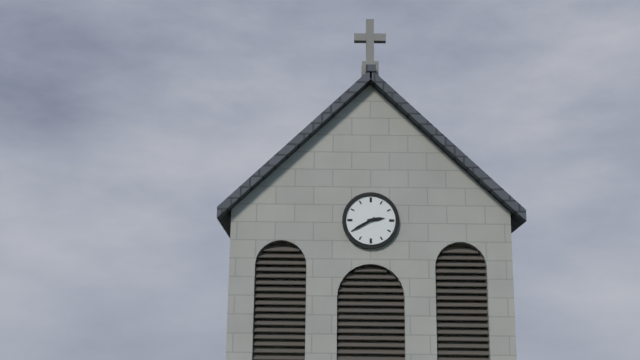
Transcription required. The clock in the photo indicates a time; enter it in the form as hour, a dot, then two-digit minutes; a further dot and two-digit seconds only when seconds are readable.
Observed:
2.40
